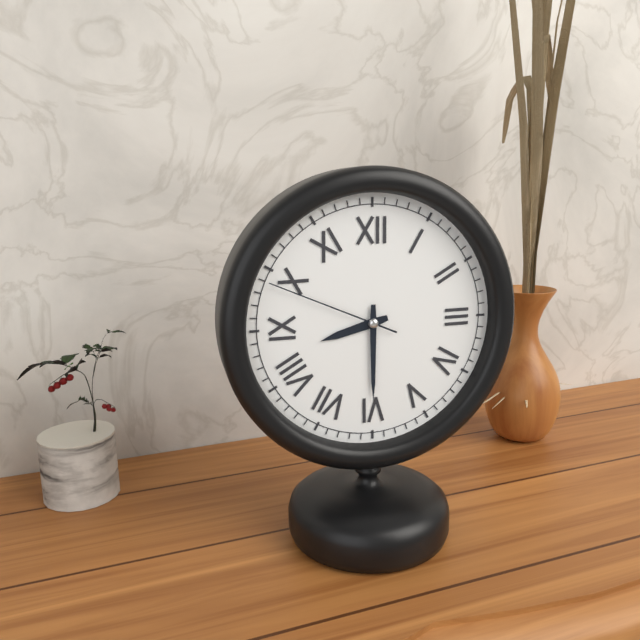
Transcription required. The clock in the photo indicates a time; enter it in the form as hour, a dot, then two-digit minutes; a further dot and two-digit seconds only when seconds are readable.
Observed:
8.30.49
